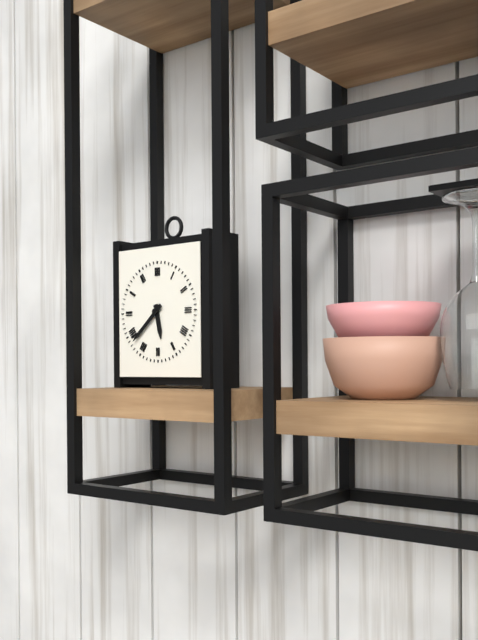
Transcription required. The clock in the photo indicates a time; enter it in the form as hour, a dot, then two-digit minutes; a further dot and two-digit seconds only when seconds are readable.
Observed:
5.38
